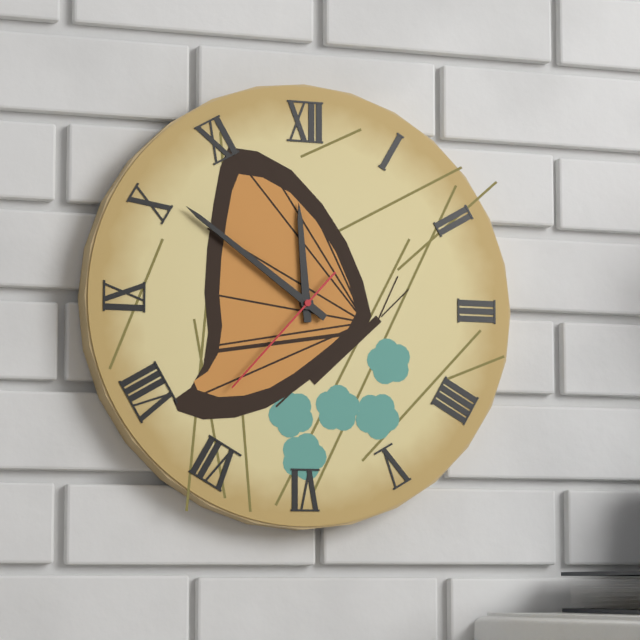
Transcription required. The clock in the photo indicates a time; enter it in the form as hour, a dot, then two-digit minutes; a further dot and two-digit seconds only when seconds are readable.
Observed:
11.51.37
